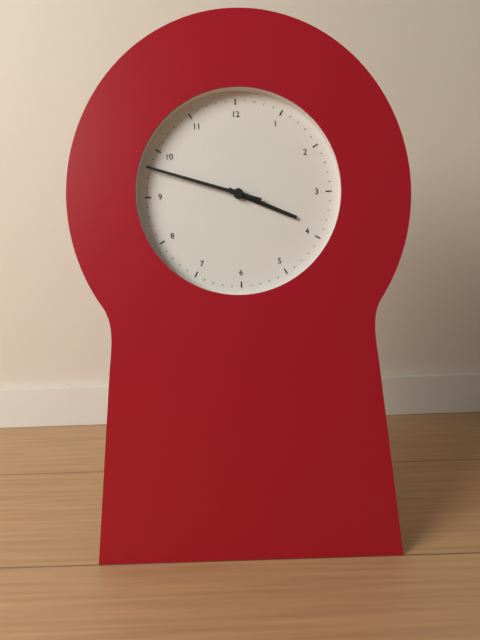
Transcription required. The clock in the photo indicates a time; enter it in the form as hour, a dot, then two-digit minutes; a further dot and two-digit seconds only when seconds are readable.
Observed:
3.48
